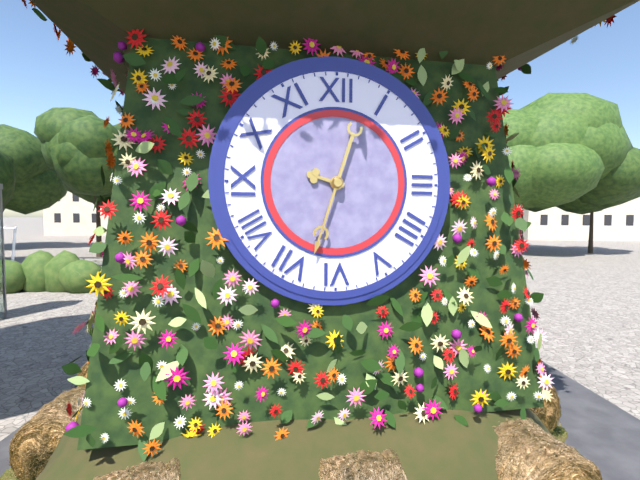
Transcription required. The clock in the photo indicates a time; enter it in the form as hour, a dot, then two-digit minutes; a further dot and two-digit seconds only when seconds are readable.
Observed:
9.33
